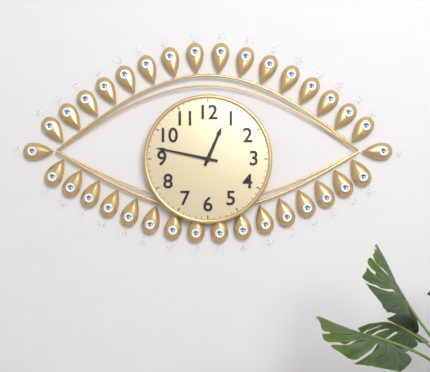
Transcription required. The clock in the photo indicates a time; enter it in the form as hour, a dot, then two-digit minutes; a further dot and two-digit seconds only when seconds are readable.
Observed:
12.47
